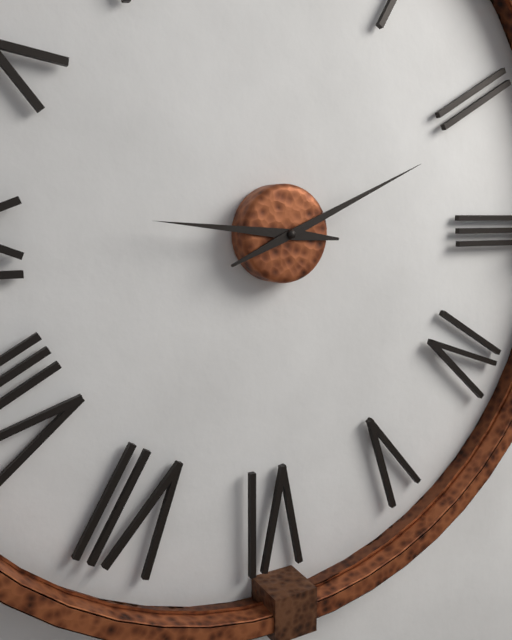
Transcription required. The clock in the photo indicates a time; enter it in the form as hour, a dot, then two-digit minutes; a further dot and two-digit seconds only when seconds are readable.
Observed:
9.11
